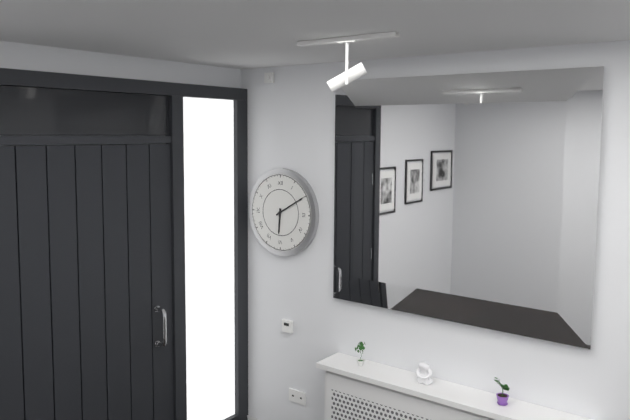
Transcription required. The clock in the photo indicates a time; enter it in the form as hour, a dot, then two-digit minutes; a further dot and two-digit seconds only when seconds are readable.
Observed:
6.10
